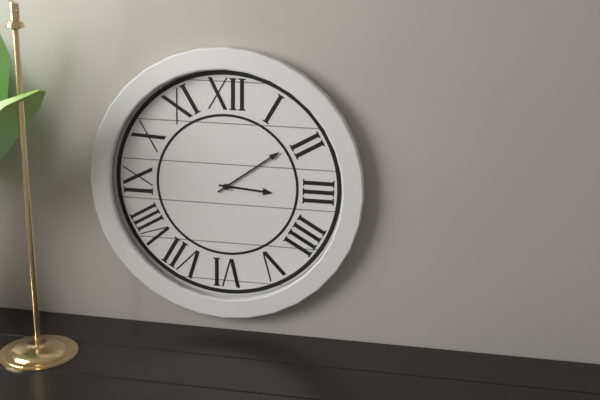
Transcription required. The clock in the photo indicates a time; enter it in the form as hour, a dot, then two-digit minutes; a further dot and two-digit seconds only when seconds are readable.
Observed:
3.09
